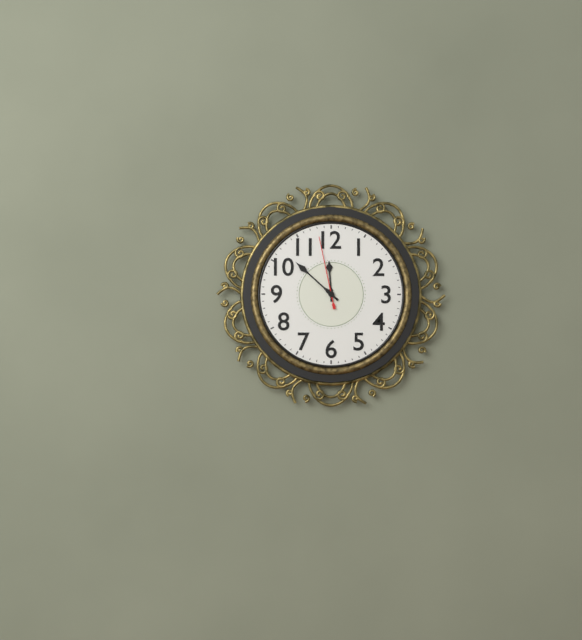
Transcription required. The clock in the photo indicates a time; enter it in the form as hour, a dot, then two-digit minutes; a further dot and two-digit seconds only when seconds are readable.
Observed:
11.52.58
